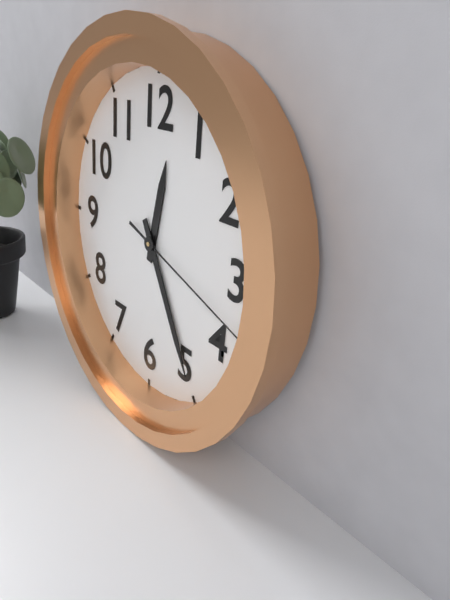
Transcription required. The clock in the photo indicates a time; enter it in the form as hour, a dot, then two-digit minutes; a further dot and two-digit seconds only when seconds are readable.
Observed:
12.25.18
